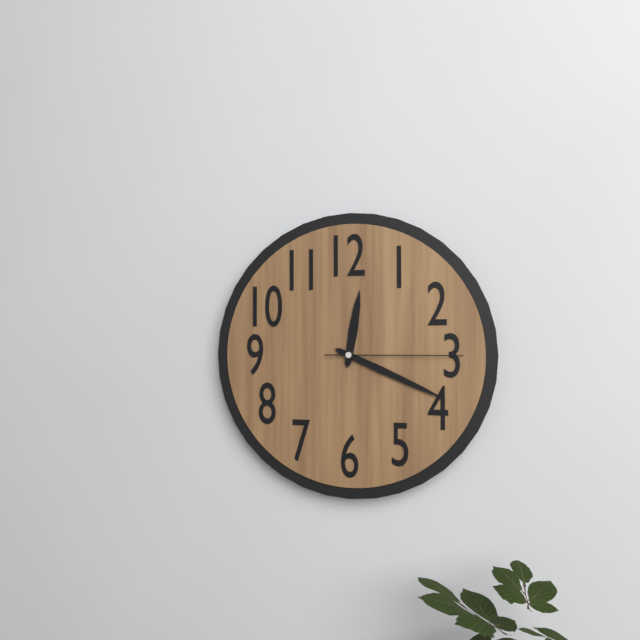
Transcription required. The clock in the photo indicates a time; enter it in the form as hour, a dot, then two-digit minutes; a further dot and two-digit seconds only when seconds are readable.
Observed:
12.19.15
